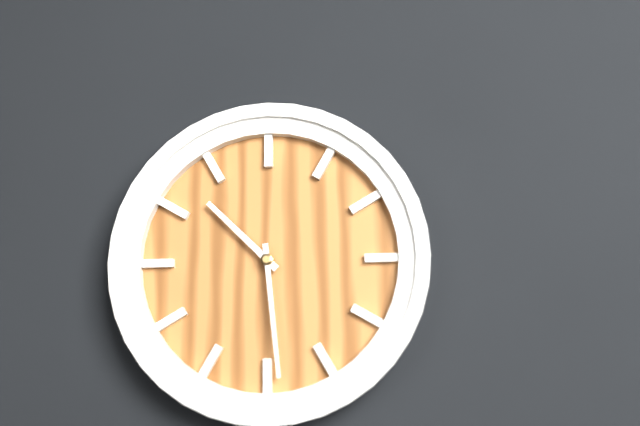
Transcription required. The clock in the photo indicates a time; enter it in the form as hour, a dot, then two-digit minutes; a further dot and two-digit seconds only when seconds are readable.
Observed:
10.29
